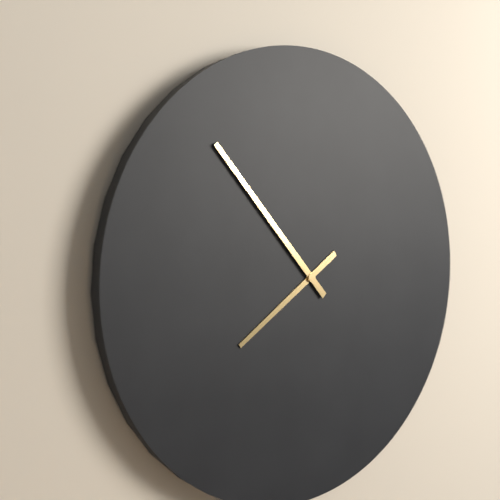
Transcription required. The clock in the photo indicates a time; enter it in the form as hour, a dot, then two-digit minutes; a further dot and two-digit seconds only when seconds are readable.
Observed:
7.53
